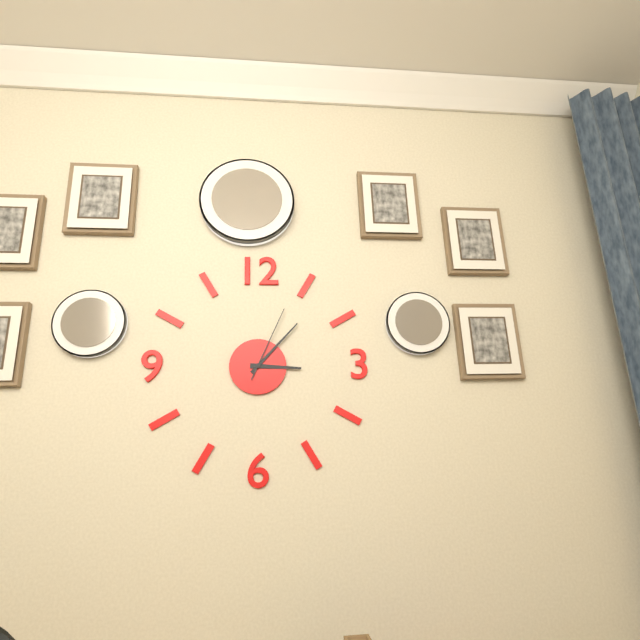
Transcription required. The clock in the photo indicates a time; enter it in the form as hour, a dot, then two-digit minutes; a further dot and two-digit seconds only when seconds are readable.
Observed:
3.07.04
